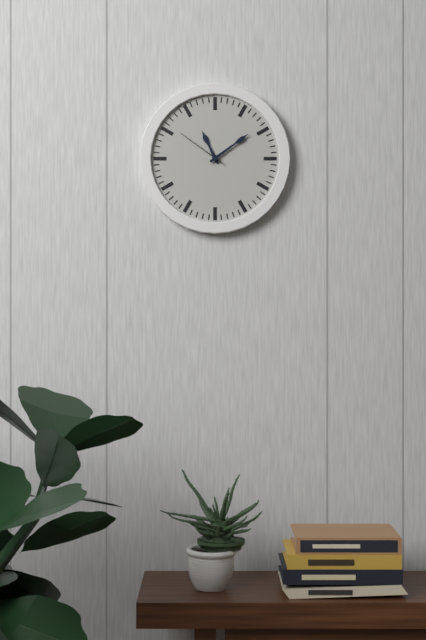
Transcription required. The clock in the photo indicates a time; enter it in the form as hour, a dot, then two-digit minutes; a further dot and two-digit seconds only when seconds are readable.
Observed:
11.09.51
